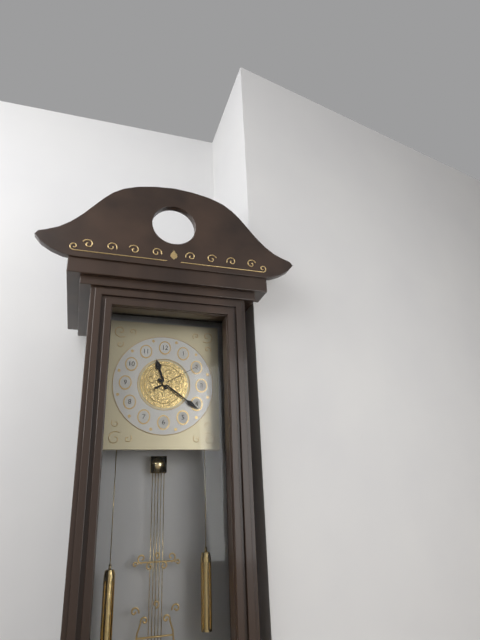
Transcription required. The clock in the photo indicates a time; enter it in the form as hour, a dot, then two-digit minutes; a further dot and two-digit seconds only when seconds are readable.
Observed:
11.21
